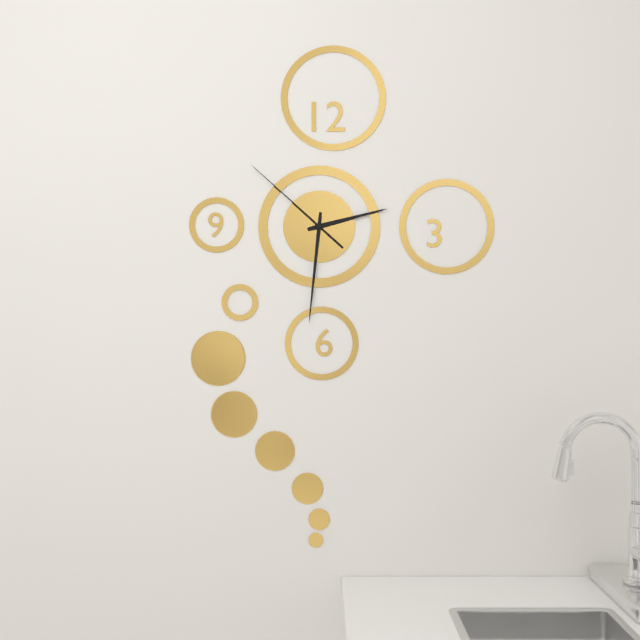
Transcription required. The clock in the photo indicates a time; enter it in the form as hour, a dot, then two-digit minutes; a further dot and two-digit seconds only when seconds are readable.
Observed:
2.31.52
